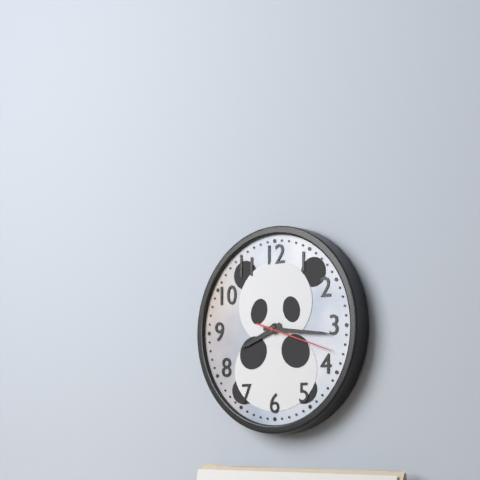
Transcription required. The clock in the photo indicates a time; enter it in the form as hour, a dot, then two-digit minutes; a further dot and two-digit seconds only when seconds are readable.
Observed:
8.16.18
